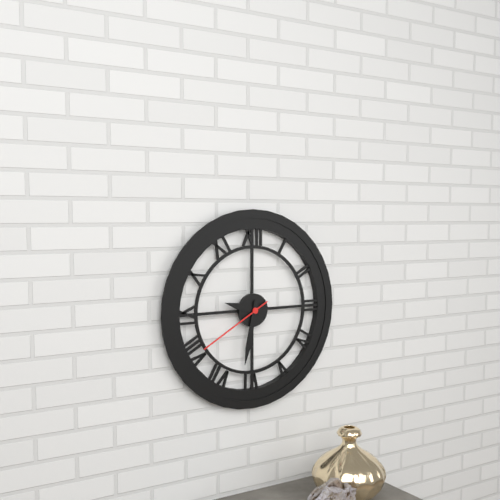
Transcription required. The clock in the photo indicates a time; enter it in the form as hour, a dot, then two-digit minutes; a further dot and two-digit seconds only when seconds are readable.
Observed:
9.32.40
